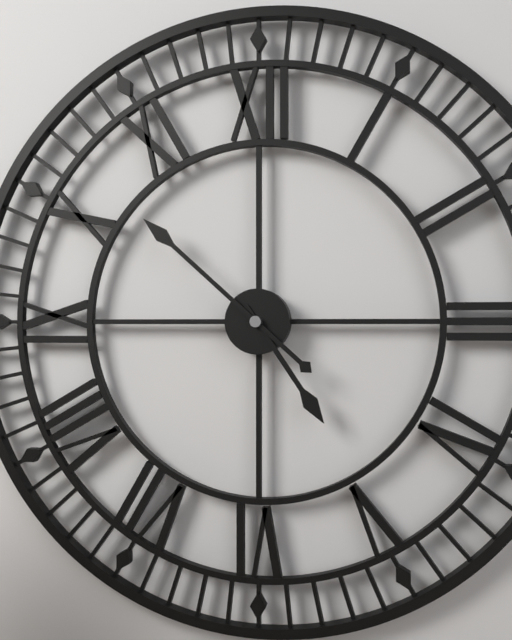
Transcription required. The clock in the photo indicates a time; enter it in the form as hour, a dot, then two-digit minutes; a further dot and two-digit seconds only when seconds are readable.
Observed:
4.52
